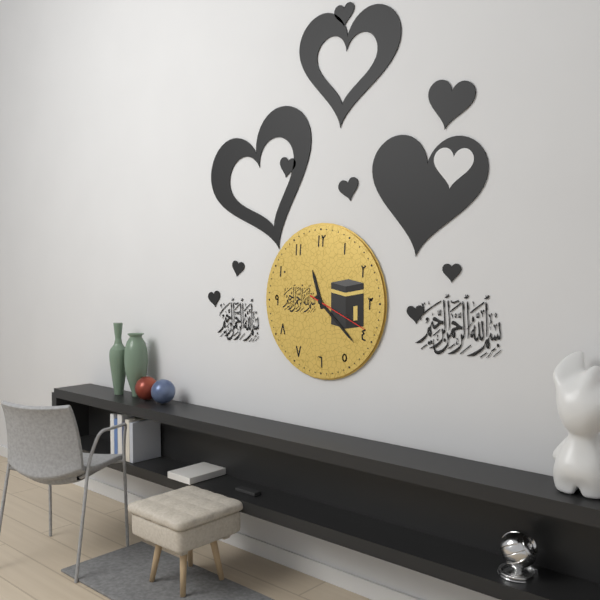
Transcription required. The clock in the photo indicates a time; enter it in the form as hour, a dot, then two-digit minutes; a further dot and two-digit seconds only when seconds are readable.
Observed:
11.22.19
